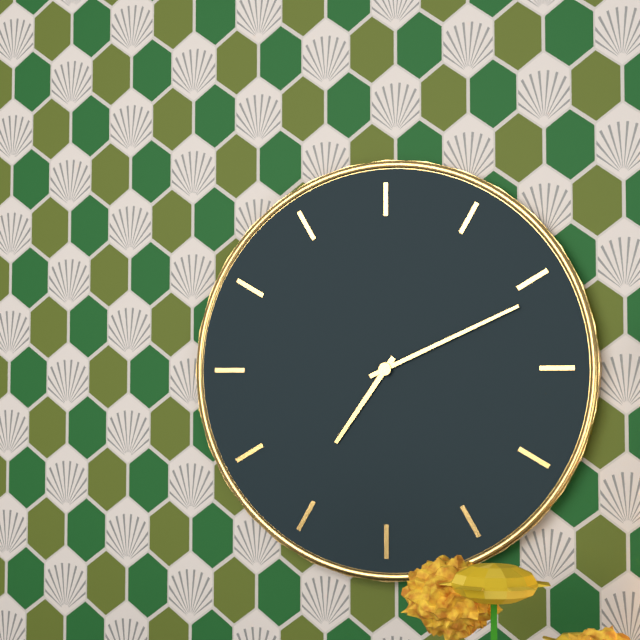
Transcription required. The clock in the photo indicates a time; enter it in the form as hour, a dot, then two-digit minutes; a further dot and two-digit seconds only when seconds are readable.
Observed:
7.11
